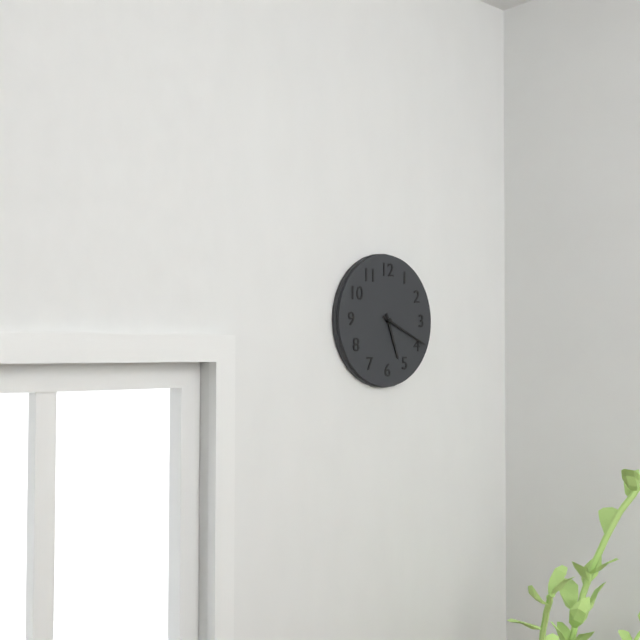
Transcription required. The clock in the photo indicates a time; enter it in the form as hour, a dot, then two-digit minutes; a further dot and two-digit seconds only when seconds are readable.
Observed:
5.19
